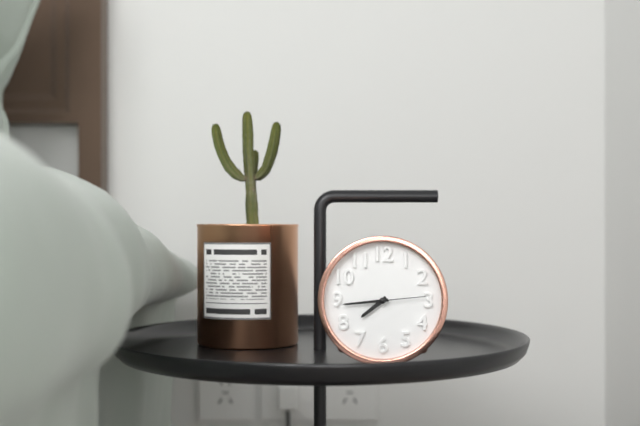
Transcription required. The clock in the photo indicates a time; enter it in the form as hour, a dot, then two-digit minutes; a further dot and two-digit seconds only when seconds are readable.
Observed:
7.44.14
